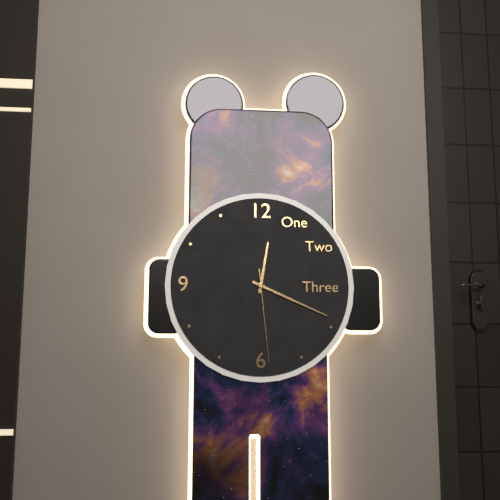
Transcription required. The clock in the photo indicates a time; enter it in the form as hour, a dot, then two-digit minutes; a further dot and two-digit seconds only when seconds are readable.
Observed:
12.19.29
